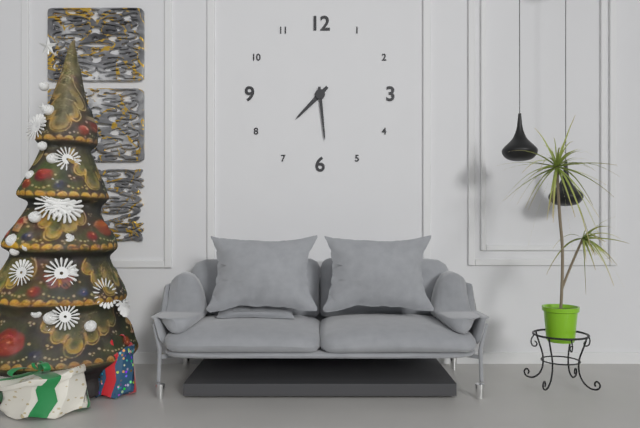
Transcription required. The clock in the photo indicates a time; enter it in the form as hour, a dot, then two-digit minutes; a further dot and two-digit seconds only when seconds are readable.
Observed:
7.29
